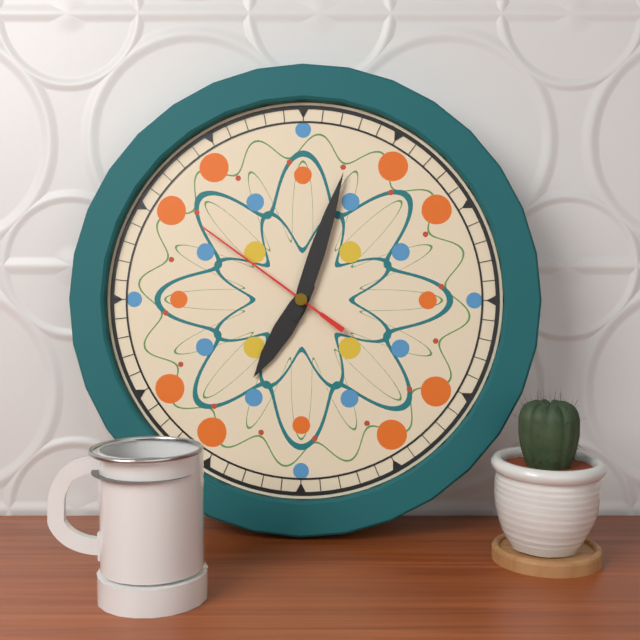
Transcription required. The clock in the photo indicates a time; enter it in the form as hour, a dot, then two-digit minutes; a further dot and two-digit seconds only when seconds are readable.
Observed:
7.03.51
